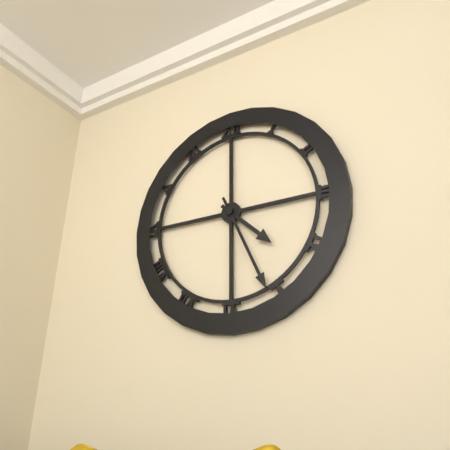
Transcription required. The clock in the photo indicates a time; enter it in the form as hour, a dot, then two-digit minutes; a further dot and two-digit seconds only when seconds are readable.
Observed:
4.26
